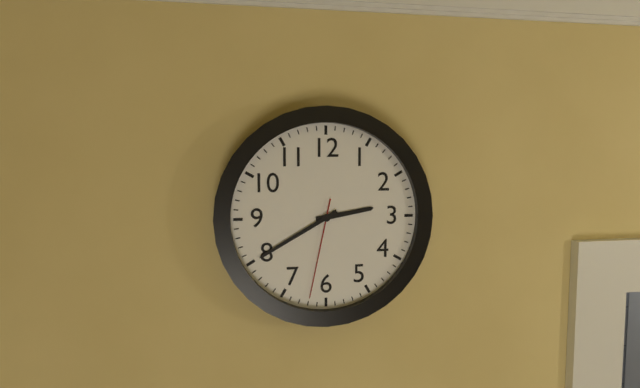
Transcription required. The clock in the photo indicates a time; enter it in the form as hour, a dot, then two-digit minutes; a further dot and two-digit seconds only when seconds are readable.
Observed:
2.40.32
